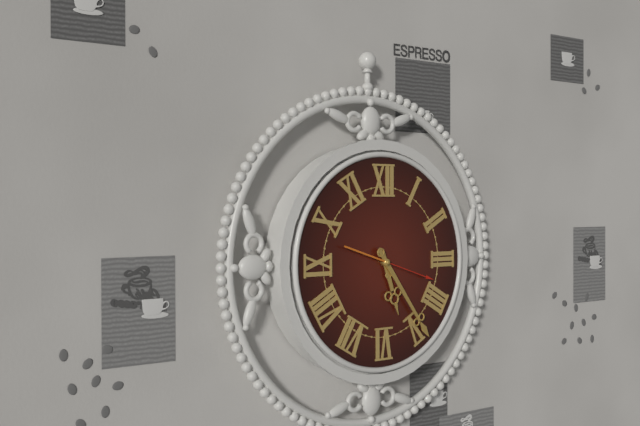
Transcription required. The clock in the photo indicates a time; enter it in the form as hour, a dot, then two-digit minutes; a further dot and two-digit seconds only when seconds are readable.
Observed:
5.24.18
